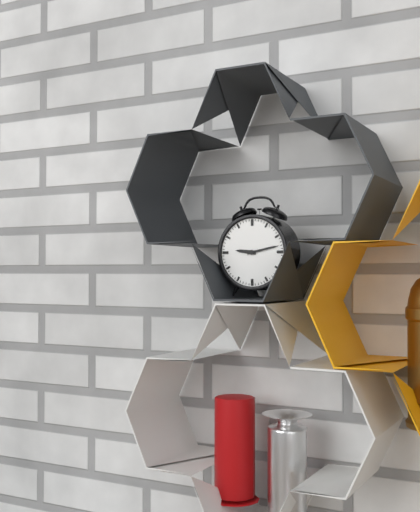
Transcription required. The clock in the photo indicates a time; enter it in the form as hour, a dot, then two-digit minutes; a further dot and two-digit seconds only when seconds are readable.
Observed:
9.13
